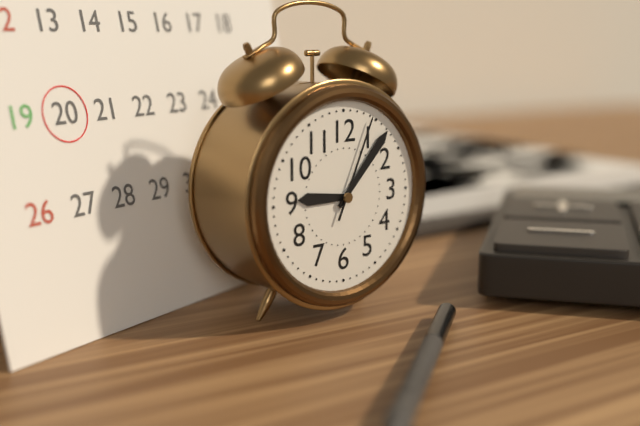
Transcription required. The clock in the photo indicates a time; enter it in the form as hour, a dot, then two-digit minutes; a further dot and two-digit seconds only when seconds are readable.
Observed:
9.07.04
